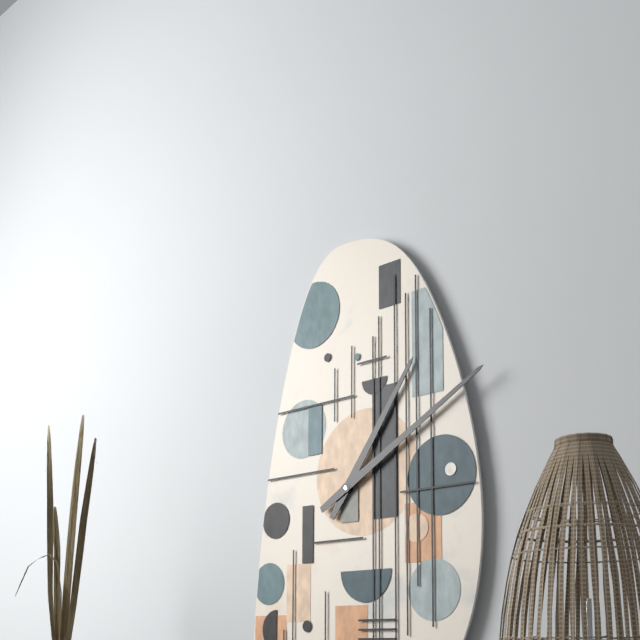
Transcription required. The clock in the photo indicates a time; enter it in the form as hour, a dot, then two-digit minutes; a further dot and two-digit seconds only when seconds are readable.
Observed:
1.10
